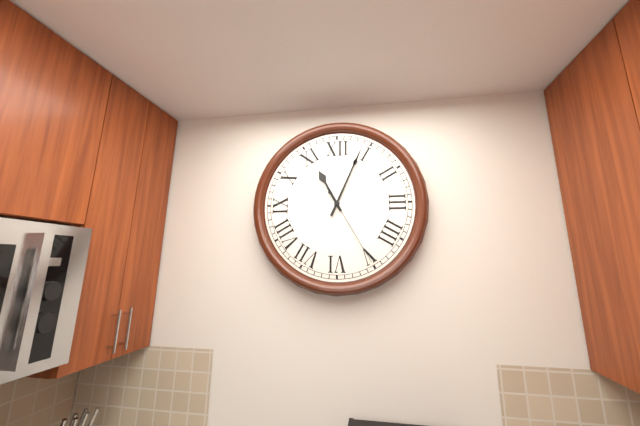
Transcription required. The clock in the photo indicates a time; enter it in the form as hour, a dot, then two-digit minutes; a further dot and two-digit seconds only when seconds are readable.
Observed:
11.04.25
